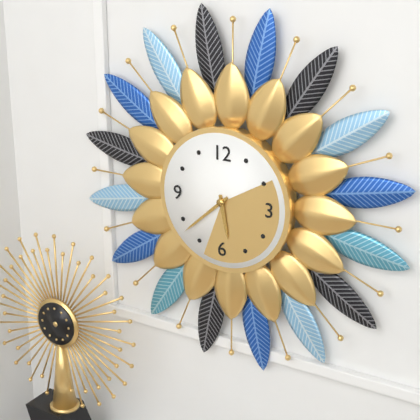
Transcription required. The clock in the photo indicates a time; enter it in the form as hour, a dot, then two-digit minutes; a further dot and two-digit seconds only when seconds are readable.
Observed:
5.38
